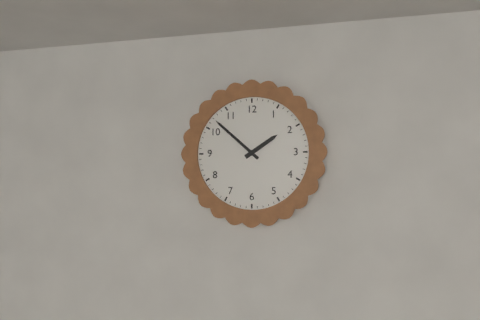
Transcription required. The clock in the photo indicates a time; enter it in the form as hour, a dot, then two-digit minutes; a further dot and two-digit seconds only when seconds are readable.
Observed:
1.52
